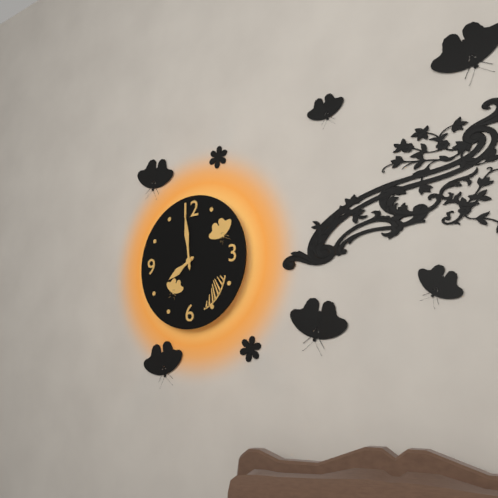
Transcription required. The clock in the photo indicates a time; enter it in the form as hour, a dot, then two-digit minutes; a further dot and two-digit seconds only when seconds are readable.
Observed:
7.59
